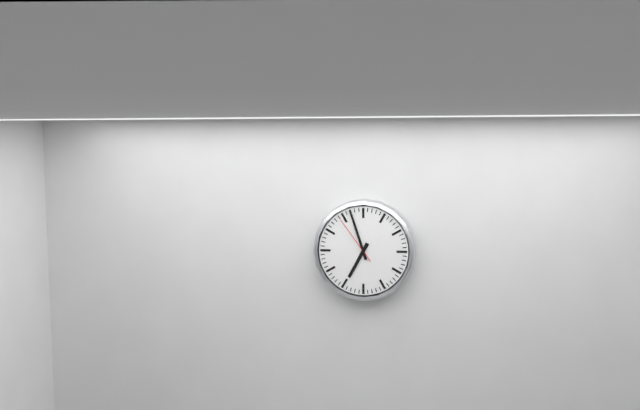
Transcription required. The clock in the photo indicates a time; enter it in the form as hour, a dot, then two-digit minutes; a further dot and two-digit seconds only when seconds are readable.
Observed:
6.57
